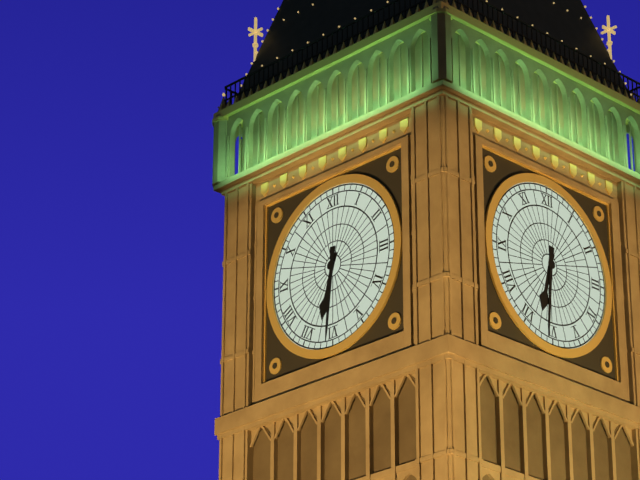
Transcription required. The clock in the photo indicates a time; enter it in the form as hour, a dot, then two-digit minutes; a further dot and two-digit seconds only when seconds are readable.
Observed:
6.31
